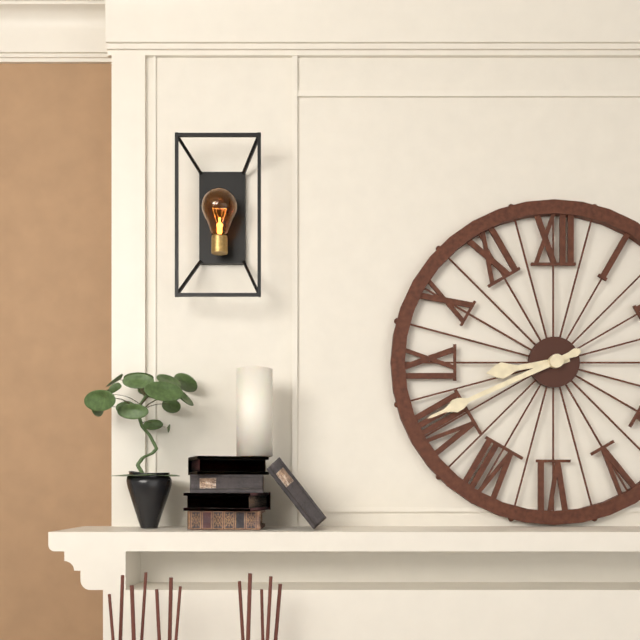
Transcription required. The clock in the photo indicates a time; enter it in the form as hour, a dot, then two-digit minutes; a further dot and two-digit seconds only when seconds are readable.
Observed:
8.41
